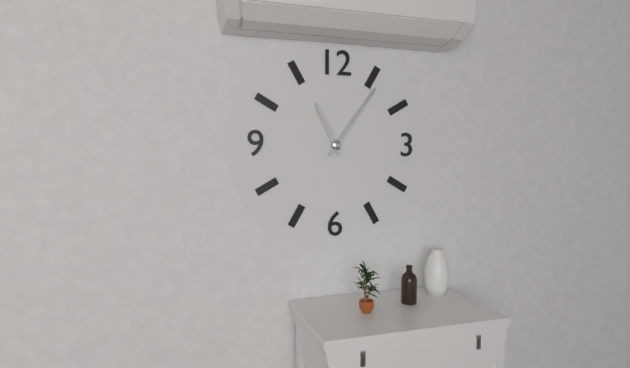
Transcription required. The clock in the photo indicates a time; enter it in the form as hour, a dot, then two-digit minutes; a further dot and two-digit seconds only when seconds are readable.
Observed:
11.06
